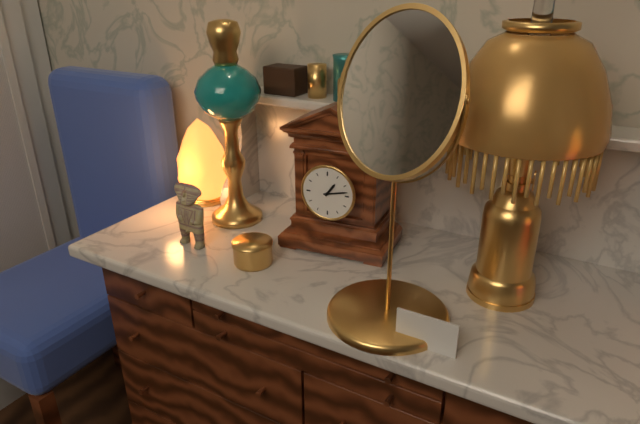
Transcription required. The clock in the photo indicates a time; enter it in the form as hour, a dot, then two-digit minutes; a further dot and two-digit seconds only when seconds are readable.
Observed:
1.13
